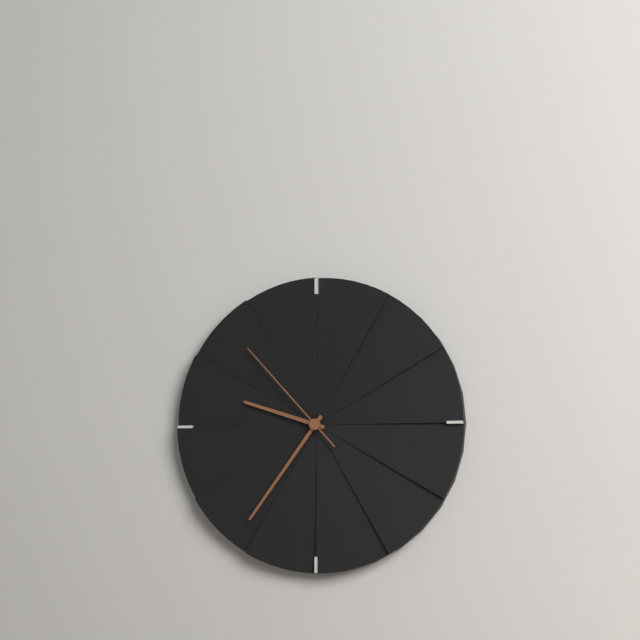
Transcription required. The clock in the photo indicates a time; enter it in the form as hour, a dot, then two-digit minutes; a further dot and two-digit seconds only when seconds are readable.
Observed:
9.36.53
